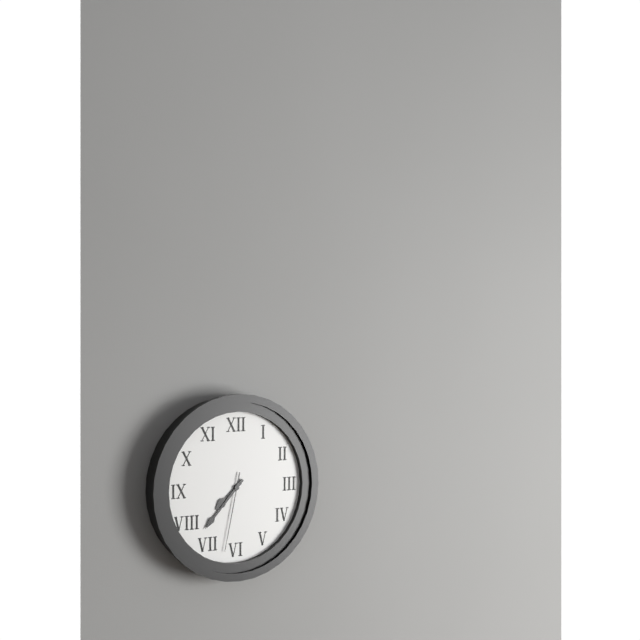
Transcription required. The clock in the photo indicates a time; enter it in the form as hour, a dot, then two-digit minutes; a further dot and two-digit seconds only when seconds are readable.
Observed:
7.37.32
